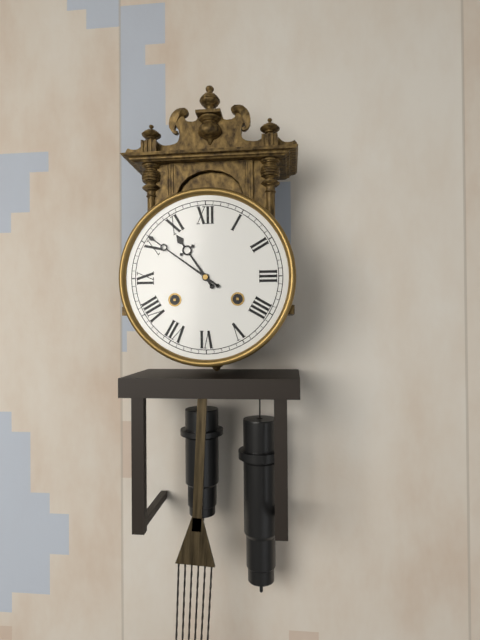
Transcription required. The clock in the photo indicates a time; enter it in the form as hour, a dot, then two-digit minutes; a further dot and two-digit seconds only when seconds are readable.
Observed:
10.51
